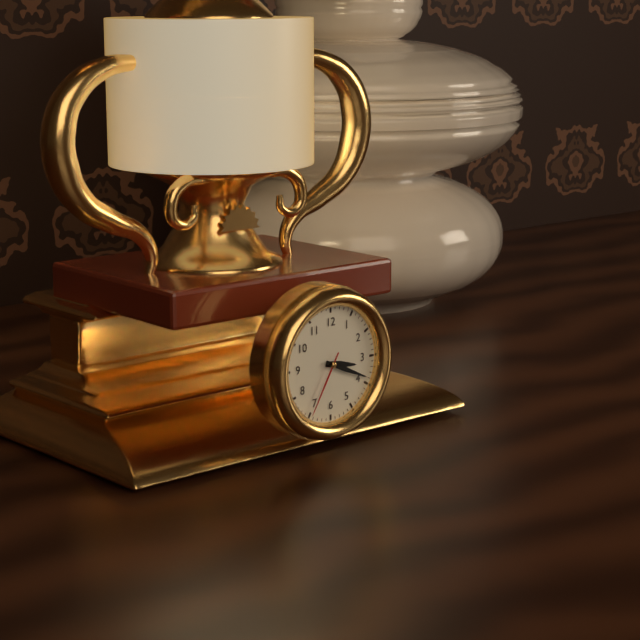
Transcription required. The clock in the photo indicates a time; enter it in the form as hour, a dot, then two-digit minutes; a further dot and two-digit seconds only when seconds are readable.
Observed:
3.19.35
